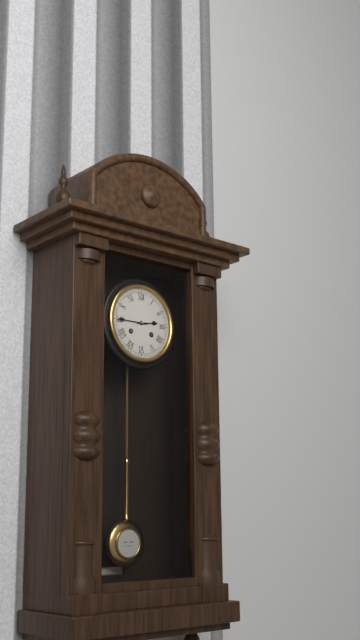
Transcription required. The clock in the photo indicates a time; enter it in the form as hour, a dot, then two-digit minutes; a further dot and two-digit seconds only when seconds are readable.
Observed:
2.45
